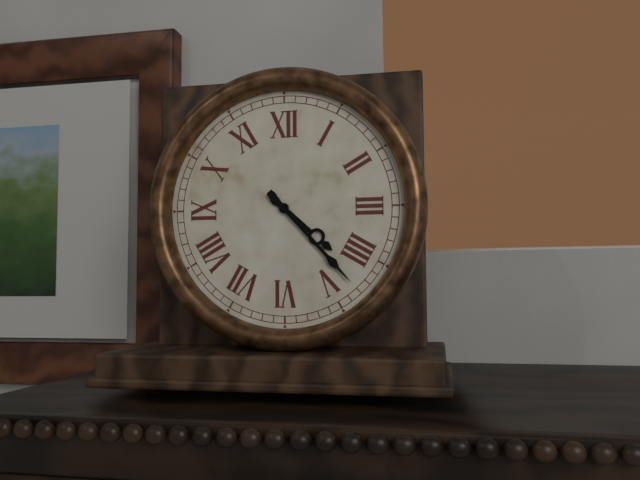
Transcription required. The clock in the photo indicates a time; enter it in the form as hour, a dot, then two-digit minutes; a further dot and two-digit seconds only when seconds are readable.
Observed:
4.23
